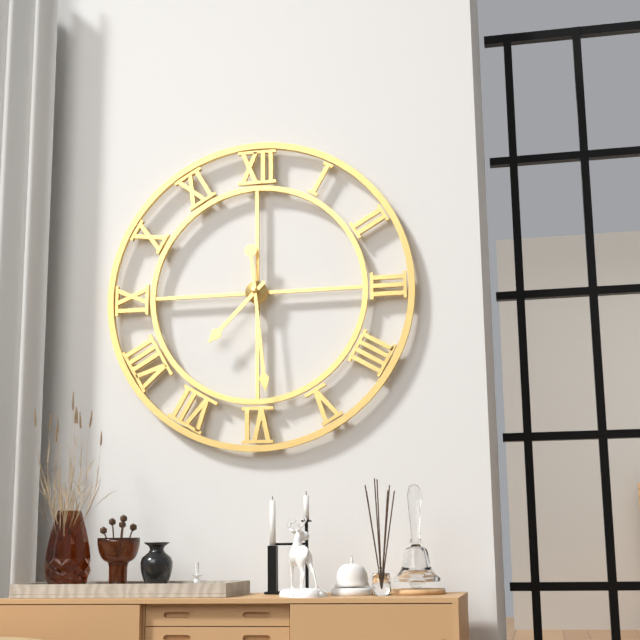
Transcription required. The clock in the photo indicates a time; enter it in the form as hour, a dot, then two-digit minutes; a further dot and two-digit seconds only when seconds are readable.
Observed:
7.29
